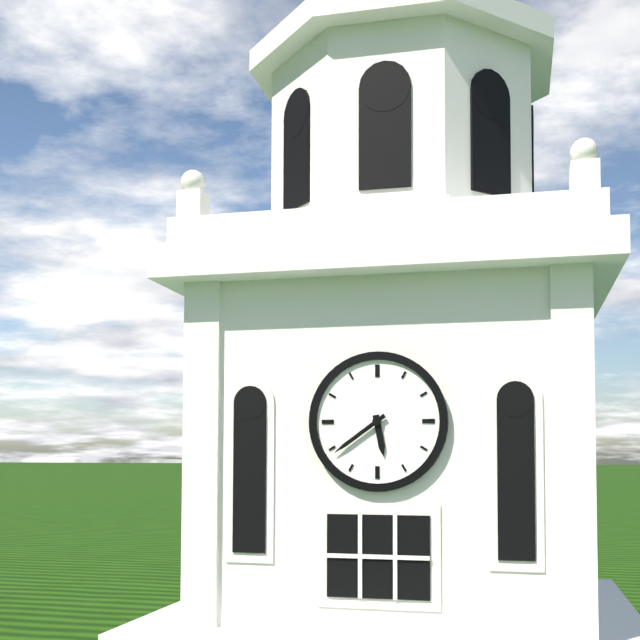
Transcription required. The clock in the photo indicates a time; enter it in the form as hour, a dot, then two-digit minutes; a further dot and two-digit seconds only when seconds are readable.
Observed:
5.39
